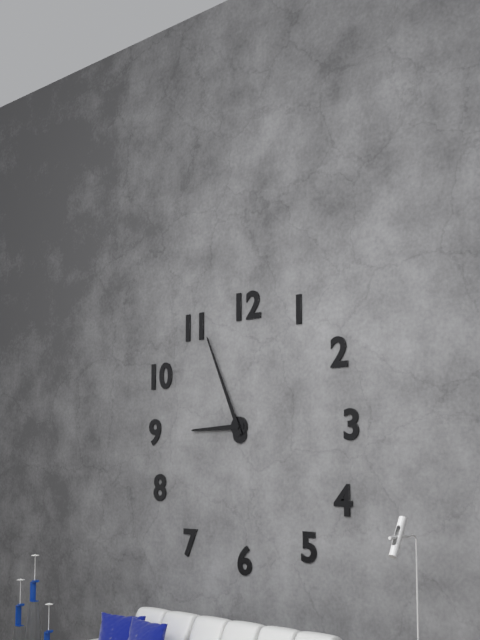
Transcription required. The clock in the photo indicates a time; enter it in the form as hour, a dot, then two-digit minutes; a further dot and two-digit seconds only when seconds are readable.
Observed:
8.56
